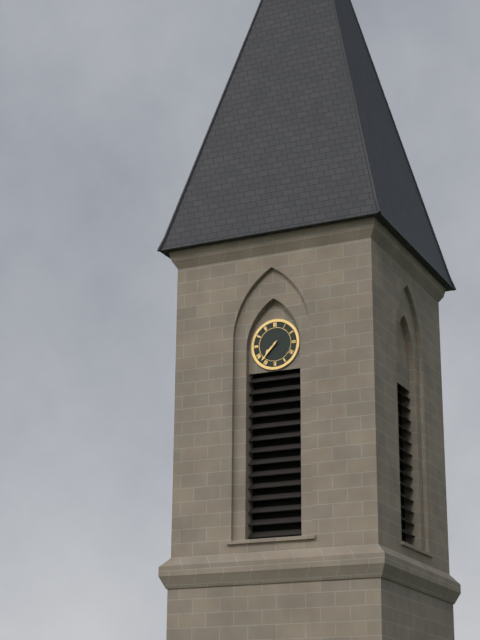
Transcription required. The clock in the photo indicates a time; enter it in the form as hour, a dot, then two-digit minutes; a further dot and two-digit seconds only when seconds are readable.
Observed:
7.37
